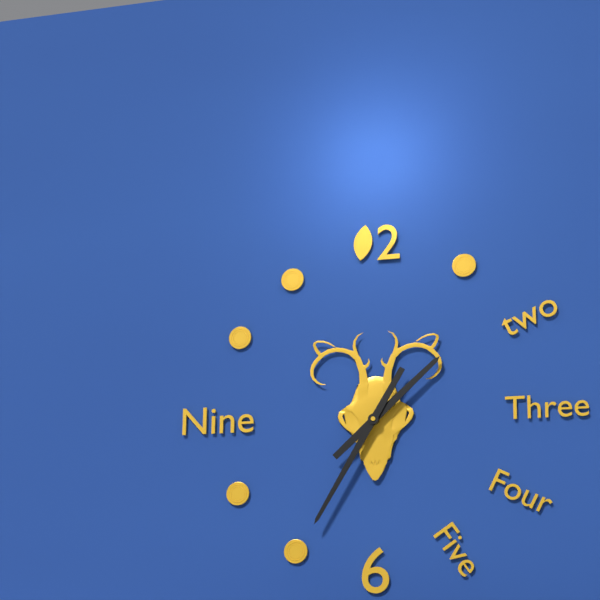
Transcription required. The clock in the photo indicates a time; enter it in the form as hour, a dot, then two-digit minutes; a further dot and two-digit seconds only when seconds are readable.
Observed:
1.35
